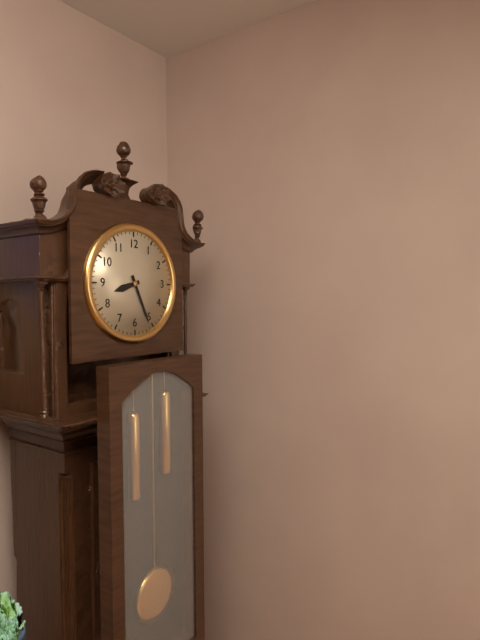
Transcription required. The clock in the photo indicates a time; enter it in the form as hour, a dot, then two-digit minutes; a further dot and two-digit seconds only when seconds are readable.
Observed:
8.26
